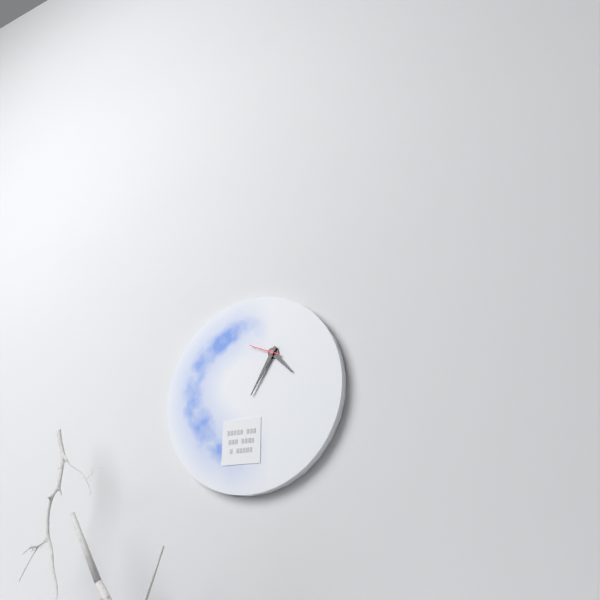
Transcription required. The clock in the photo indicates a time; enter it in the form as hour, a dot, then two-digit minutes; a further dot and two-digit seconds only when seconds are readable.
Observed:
4.35
